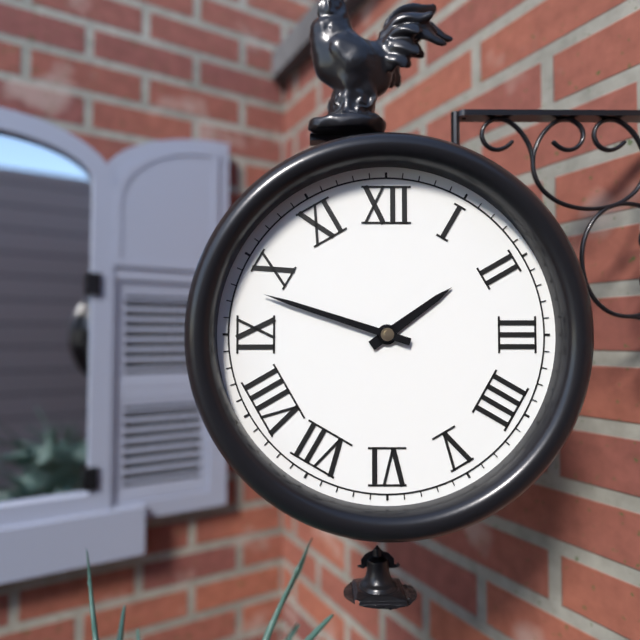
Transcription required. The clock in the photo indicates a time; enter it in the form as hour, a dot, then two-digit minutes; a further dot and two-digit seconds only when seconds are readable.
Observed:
1.48
